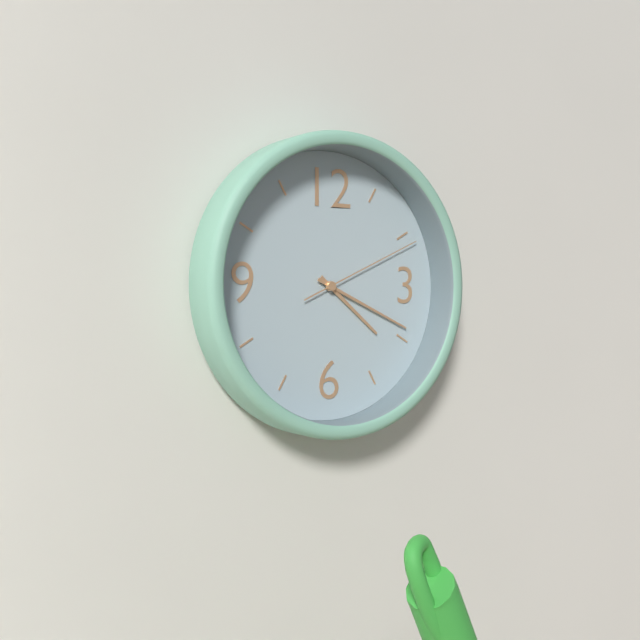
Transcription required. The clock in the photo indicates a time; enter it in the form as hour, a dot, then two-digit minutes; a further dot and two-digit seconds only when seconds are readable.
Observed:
4.19.11
